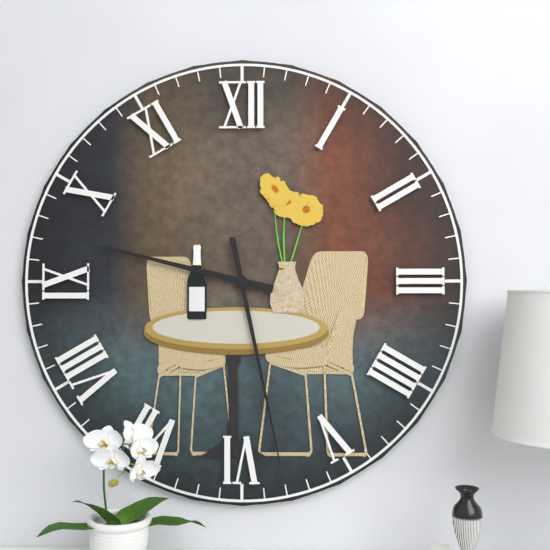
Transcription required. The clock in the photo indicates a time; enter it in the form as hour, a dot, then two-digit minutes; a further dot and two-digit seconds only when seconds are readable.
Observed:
9.28
